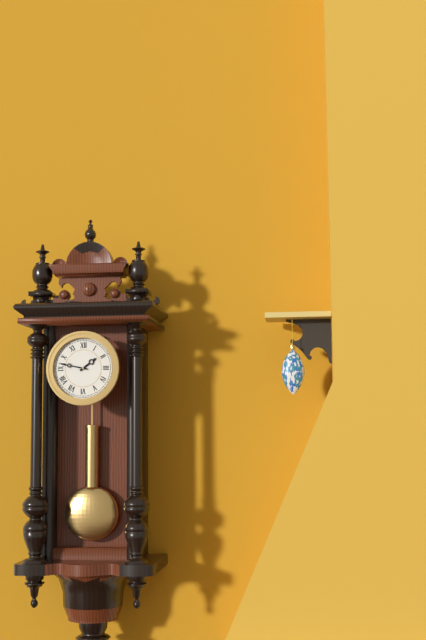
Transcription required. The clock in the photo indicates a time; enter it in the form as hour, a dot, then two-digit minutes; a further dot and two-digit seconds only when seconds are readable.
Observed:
1.47
